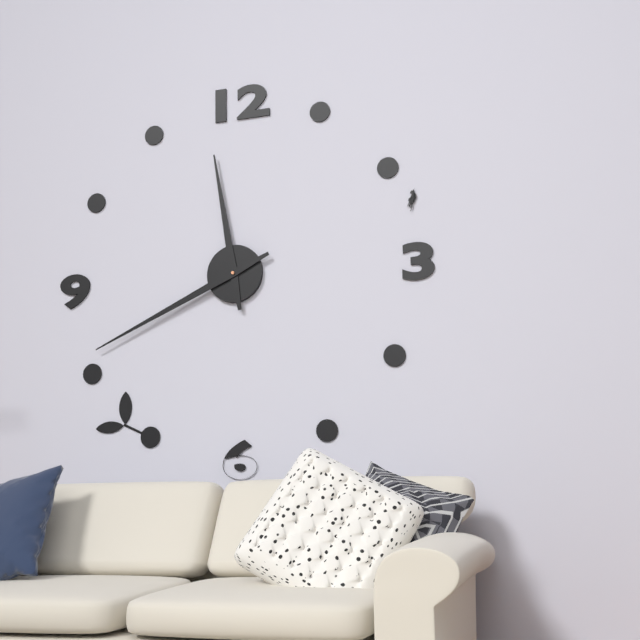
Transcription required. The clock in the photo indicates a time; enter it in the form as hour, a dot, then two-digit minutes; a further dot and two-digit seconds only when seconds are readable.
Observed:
11.41
